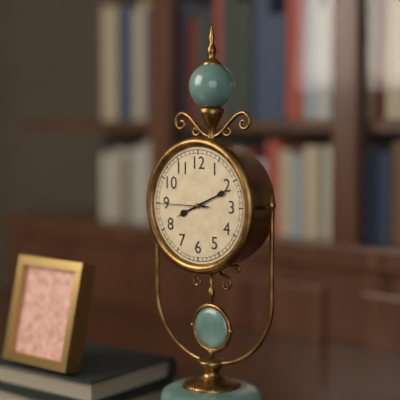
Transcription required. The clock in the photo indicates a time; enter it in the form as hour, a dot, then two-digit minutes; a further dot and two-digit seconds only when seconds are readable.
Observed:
8.11
